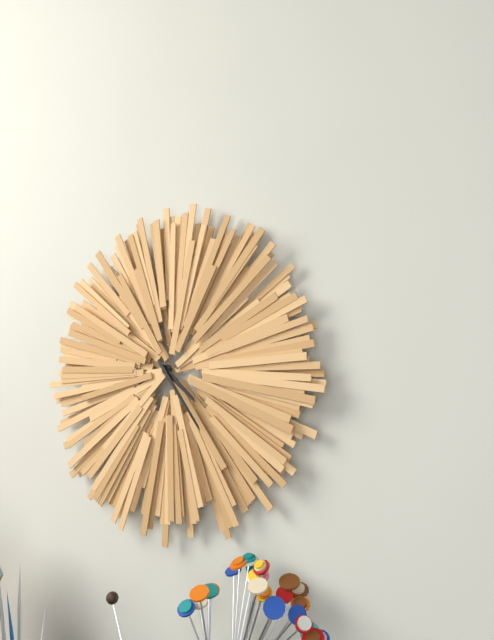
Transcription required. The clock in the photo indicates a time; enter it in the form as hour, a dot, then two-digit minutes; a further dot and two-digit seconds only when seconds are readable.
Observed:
4.24
